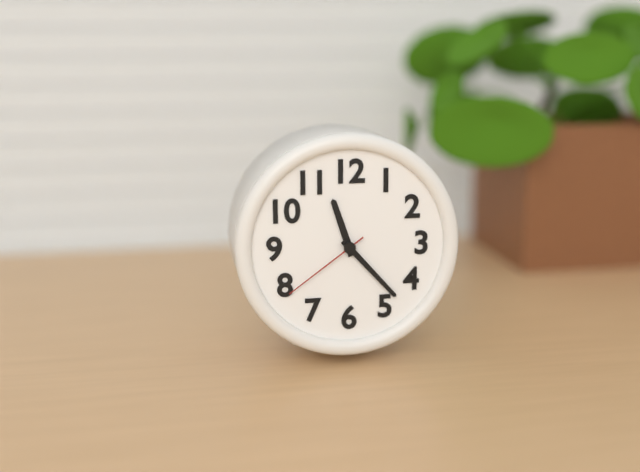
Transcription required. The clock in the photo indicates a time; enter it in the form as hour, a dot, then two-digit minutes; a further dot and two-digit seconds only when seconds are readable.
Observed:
11.23.39
